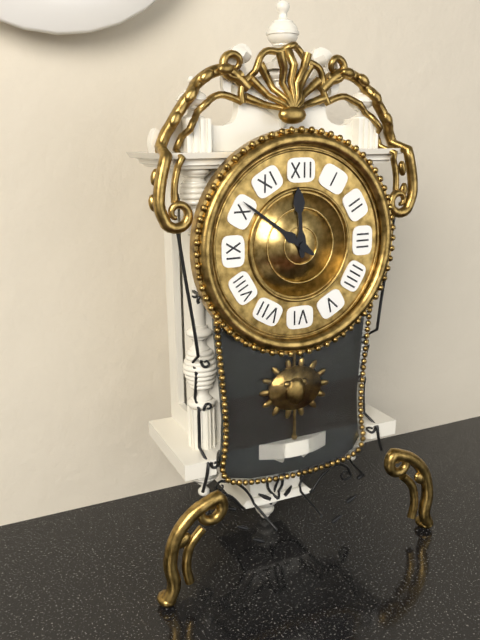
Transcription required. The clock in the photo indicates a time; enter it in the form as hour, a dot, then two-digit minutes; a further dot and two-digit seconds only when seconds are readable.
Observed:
11.51
